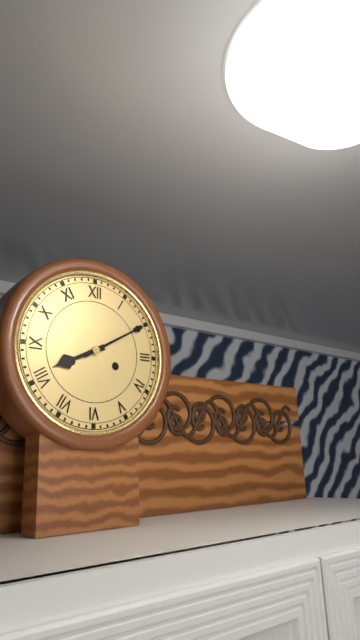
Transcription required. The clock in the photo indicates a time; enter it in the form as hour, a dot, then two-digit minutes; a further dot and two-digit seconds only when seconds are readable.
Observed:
8.10
